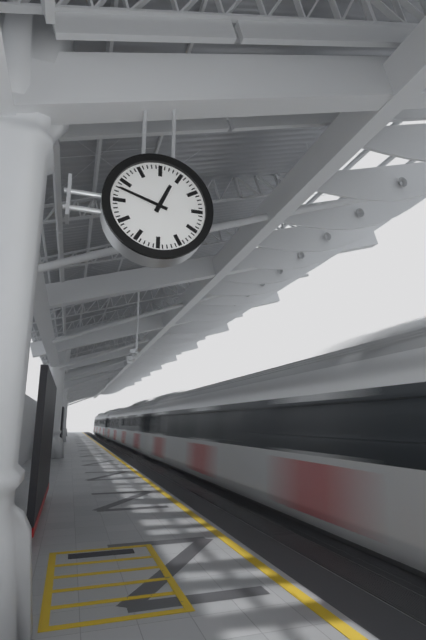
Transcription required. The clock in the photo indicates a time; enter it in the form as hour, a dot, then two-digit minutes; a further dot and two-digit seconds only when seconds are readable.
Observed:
12.48
